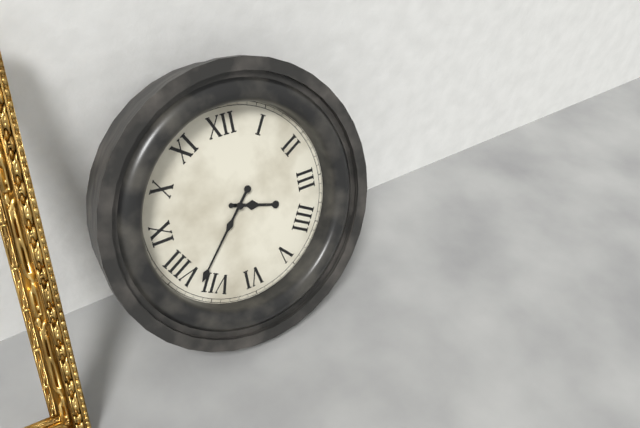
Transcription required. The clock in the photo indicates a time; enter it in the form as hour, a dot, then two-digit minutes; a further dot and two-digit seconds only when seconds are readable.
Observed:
3.37
